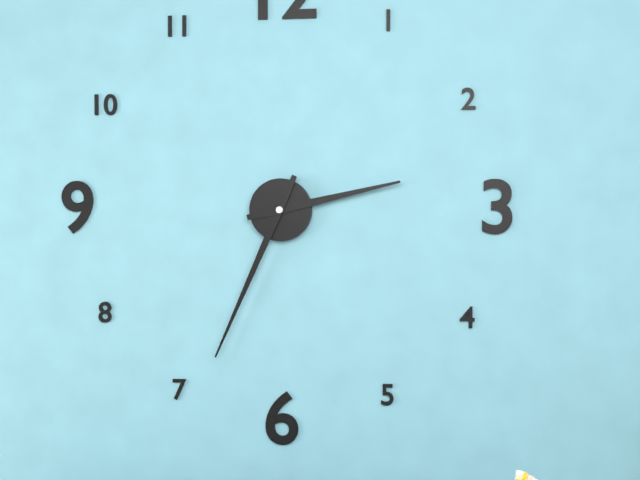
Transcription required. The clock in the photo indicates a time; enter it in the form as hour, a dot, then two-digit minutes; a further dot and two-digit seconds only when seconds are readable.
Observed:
2.34
